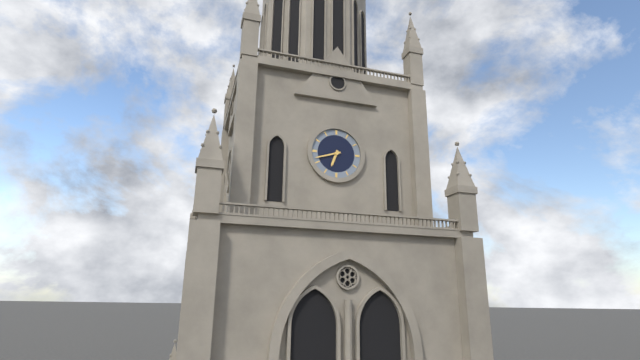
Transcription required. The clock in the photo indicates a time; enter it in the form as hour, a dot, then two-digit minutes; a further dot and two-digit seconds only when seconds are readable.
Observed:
6.42
